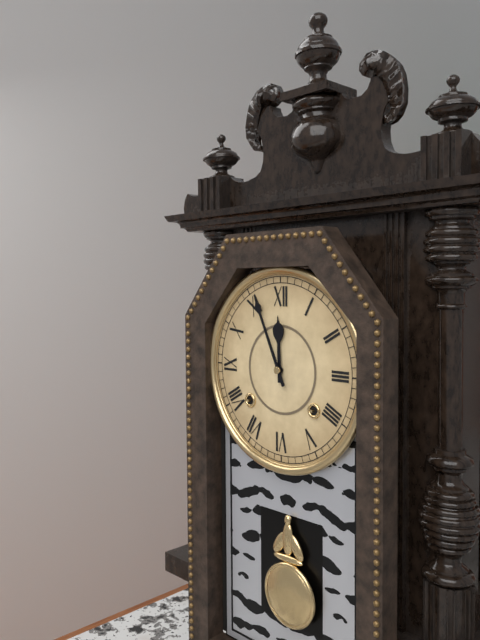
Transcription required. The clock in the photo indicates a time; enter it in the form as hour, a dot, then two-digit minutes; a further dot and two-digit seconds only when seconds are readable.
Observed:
11.56
